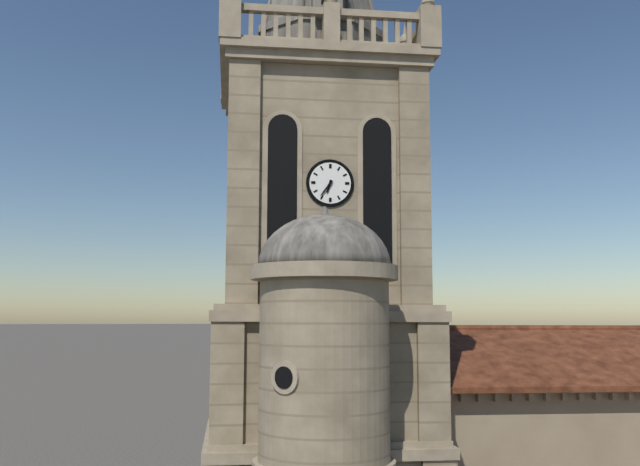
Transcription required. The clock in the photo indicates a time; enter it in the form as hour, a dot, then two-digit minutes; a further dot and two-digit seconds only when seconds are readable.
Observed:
6.36
